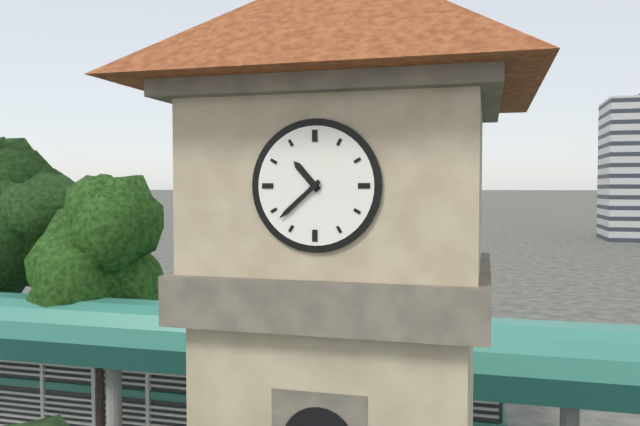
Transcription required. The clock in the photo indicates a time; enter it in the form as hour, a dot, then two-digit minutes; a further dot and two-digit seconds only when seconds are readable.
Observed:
10.38
